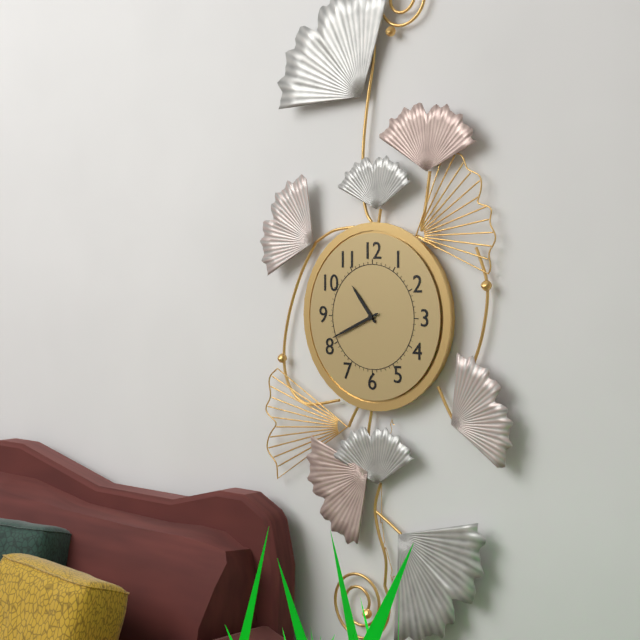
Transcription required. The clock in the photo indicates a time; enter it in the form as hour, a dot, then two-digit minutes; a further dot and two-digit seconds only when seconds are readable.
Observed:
10.41
